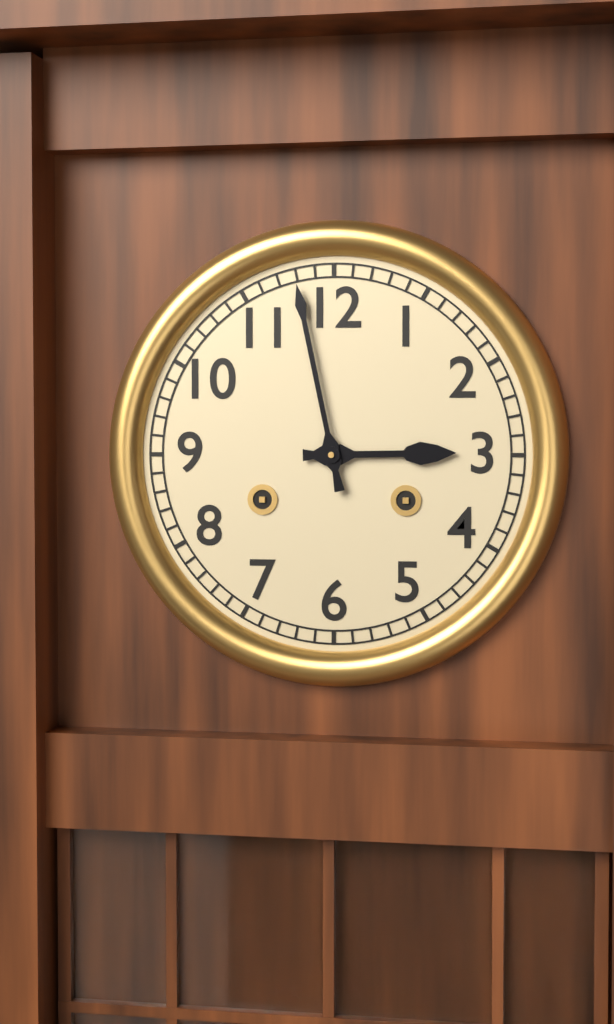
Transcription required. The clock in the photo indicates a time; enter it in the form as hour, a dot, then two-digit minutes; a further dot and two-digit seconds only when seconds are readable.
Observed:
2.58
